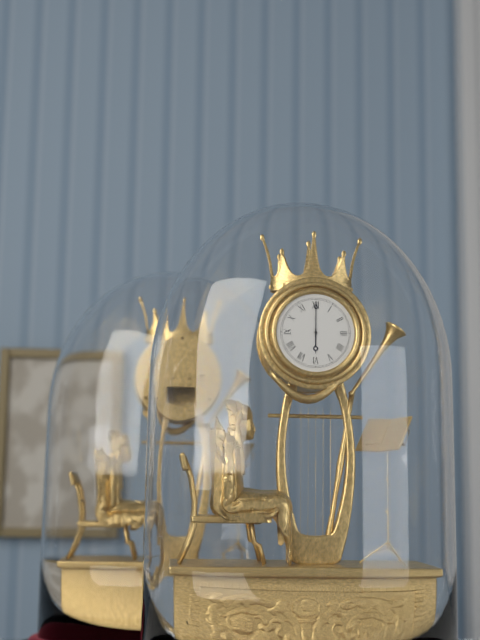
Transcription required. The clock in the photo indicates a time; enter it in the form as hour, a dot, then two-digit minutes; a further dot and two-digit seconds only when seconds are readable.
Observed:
6.00
